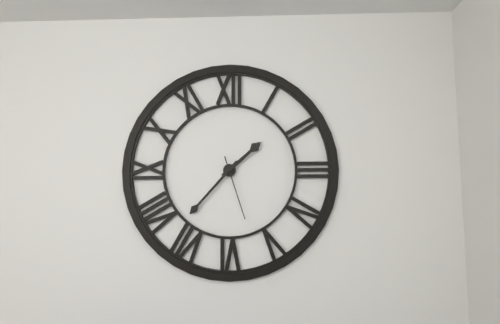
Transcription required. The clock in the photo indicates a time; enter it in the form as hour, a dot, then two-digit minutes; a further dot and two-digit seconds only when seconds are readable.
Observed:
1.37.27
